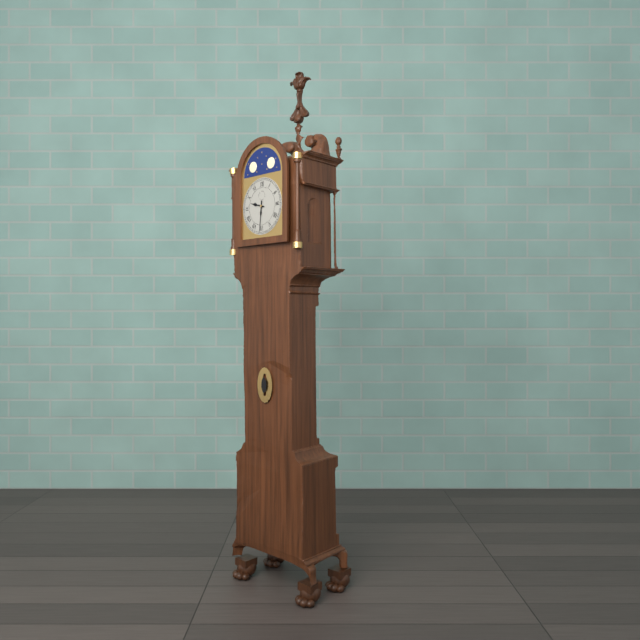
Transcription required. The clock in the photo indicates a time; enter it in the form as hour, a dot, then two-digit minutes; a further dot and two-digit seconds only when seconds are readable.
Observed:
9.31
